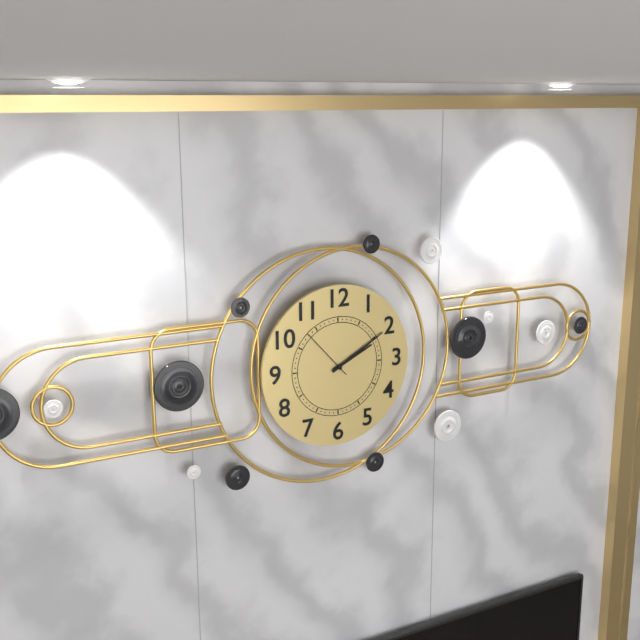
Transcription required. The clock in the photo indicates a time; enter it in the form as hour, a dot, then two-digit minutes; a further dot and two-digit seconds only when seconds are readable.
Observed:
2.10.53
